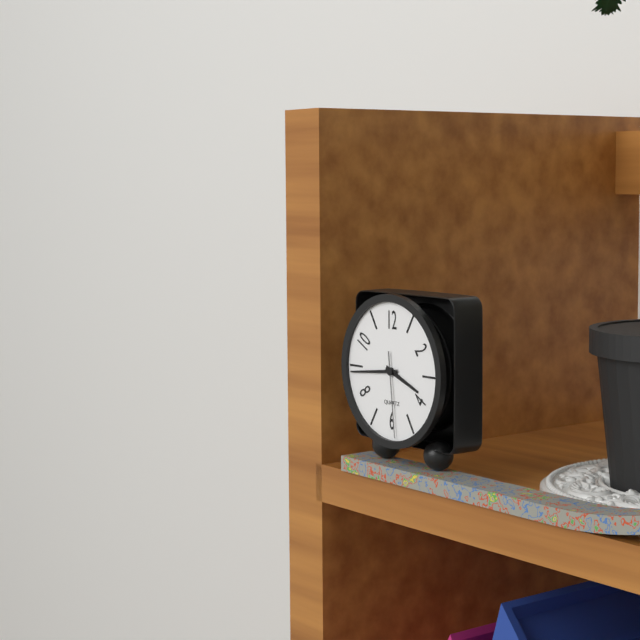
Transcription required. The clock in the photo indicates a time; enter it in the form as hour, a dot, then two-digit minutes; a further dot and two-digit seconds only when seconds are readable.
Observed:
3.44.29
